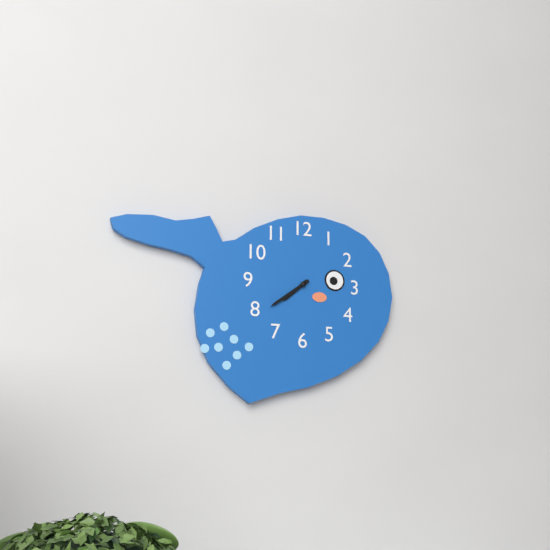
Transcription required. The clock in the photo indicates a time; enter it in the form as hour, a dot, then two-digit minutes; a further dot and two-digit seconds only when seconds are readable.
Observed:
7.39
